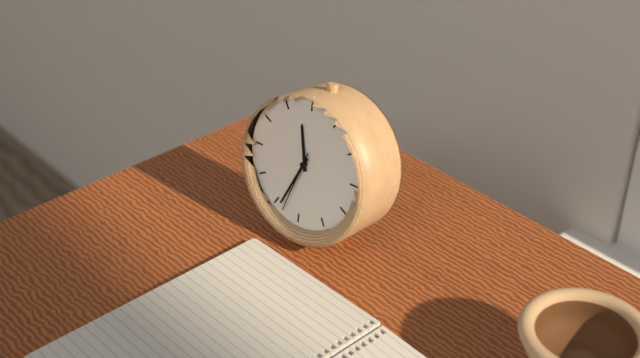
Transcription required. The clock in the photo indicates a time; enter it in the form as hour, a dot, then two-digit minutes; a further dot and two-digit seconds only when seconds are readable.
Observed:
11.34.33
